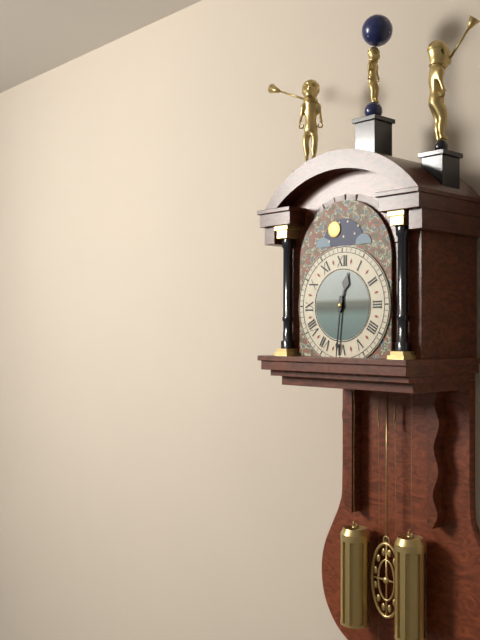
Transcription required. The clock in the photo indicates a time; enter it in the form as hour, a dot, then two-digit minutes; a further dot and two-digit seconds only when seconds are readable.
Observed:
12.31
